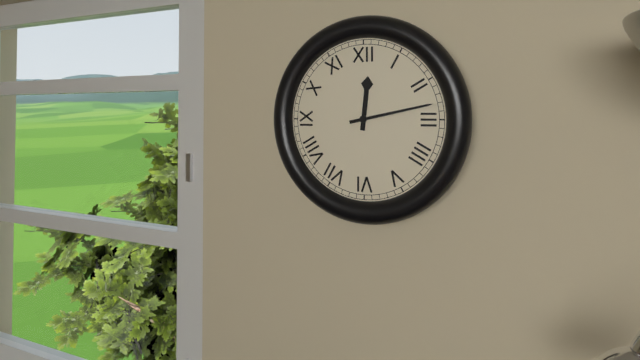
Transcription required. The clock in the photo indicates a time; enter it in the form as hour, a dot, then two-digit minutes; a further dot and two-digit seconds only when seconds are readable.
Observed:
12.13
